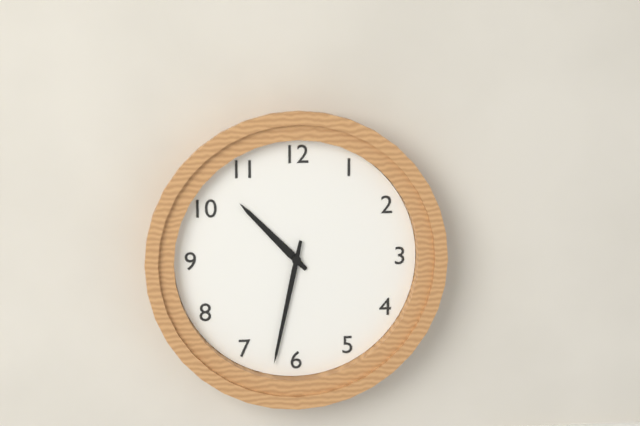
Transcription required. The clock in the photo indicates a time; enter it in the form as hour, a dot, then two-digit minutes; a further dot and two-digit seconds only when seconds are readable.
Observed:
10.32
